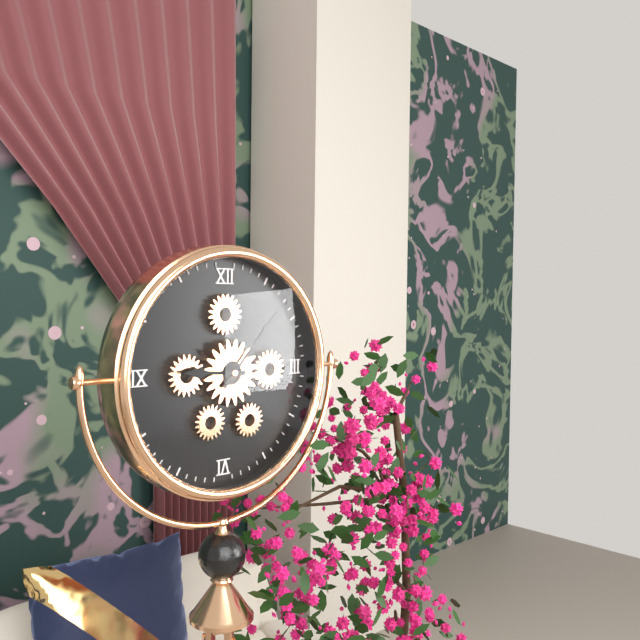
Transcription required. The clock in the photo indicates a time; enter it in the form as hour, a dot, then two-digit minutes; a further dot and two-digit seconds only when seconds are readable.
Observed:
9.07
